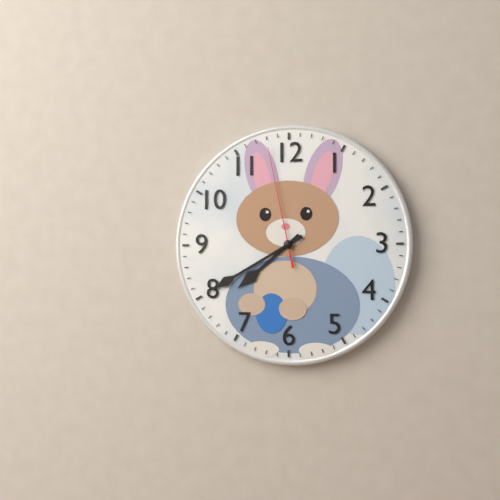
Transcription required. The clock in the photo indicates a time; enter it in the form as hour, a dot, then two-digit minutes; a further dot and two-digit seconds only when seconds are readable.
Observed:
7.40.58
